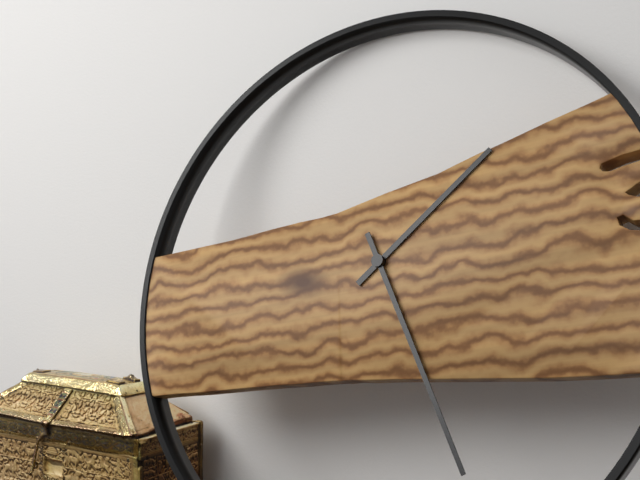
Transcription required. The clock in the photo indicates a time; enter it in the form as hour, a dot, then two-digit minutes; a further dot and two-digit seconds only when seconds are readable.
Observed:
1.25
